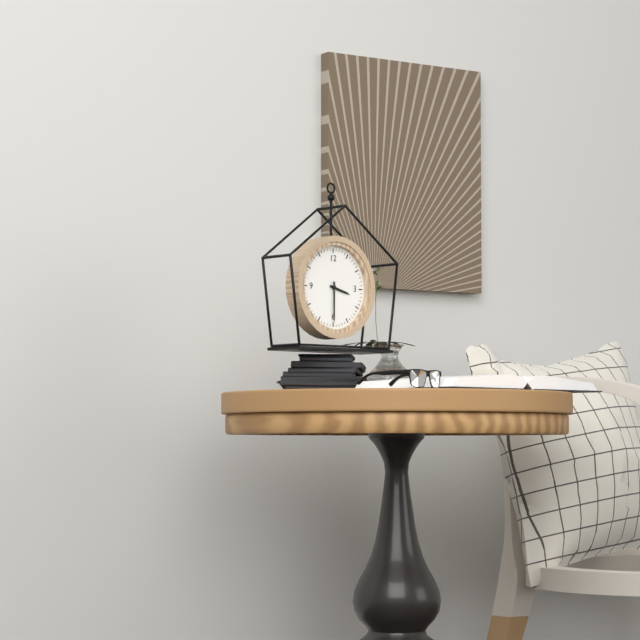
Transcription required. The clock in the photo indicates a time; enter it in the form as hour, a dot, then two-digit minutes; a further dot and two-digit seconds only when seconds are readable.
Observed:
3.30
